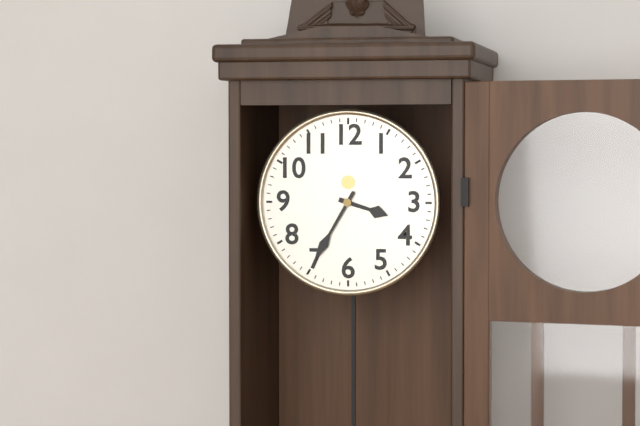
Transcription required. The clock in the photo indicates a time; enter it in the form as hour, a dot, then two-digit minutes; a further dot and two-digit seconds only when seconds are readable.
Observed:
3.35
